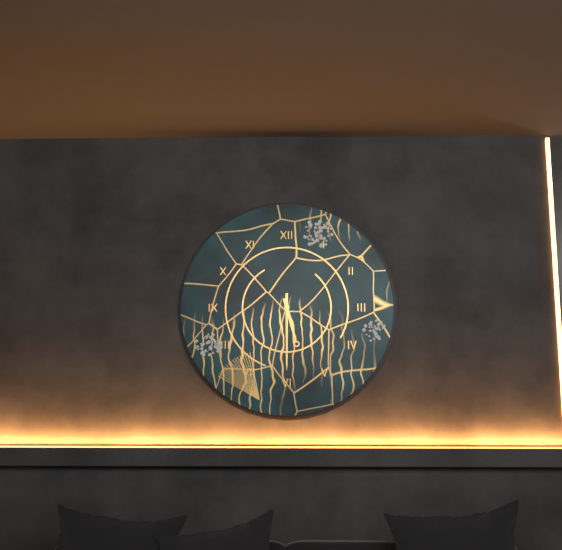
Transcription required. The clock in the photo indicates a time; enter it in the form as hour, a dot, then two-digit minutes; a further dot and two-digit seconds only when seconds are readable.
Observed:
5.30
